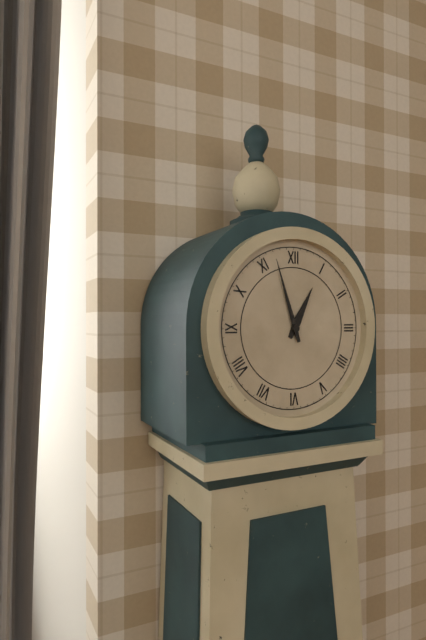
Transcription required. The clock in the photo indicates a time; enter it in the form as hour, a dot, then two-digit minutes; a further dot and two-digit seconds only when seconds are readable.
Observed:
12.57
